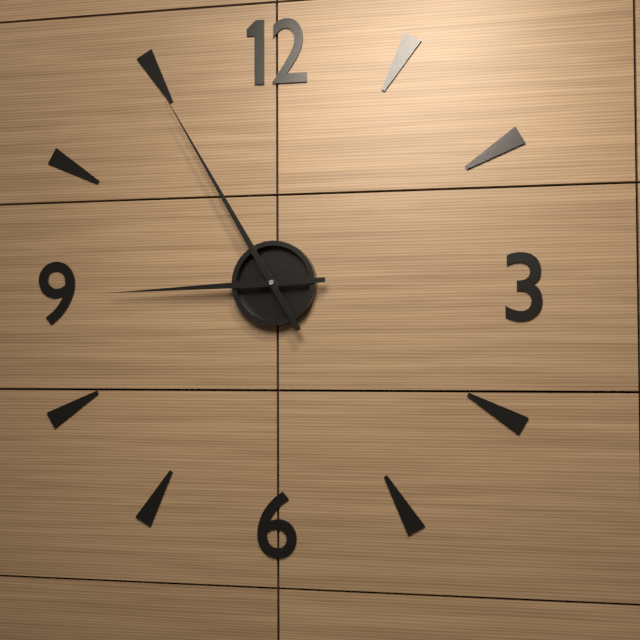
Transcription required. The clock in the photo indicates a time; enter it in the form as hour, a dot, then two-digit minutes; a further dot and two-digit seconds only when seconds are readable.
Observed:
8.55
